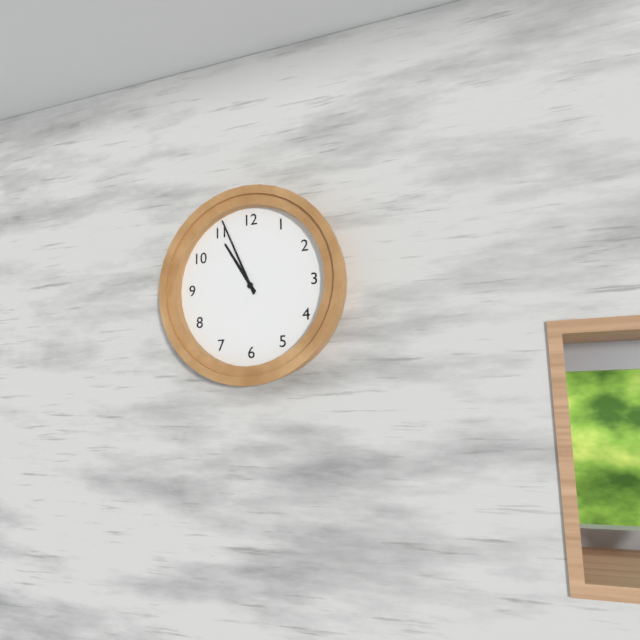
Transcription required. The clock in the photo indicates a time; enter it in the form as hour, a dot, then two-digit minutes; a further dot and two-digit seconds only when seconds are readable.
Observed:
10.56
